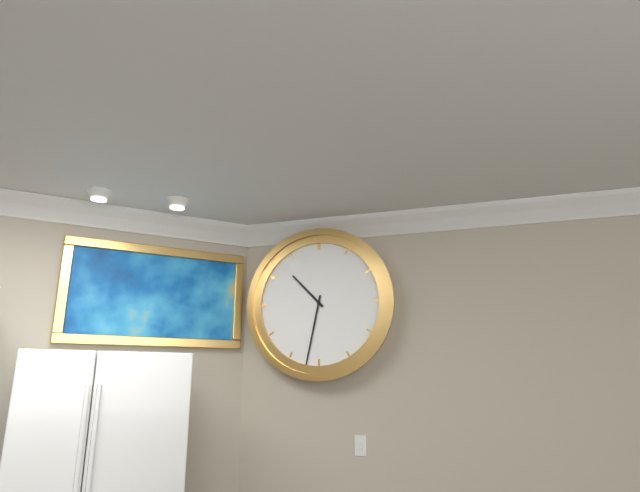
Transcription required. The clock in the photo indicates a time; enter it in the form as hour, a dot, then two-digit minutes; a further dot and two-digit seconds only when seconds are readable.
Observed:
10.32
